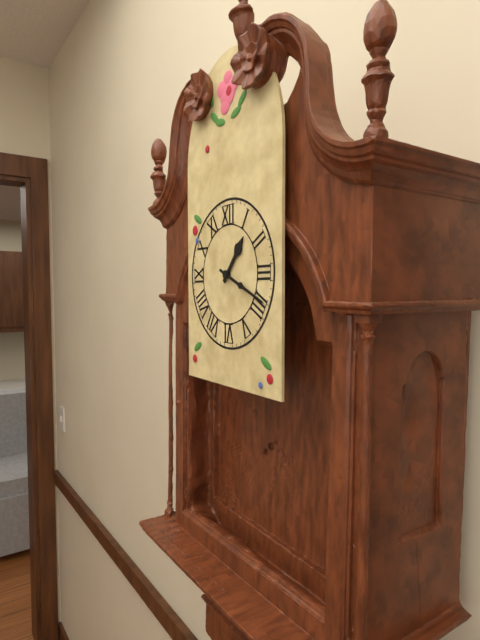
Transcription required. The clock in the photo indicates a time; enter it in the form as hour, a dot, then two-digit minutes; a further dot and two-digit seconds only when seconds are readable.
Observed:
1.19
